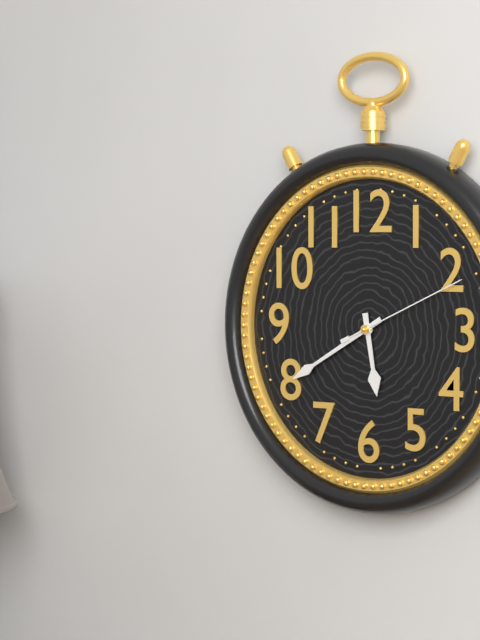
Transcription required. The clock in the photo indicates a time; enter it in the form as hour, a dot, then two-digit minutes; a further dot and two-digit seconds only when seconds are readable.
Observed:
5.40.11
